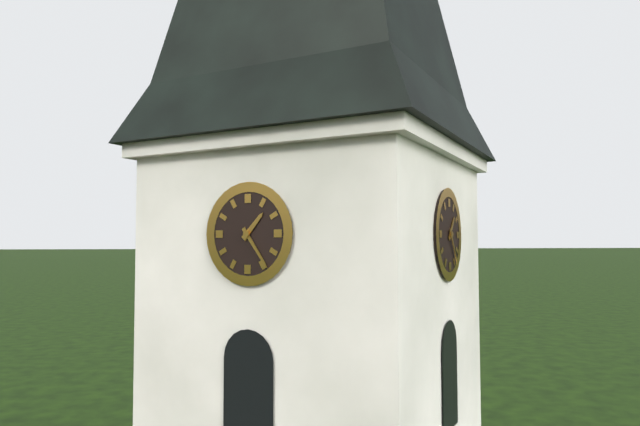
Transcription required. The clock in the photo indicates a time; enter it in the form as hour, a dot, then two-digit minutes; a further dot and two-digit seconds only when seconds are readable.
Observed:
1.24
